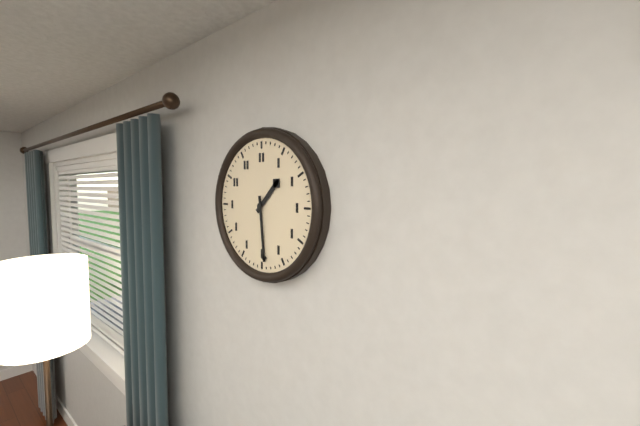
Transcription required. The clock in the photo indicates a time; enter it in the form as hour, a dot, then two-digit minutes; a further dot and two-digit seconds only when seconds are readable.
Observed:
1.29
